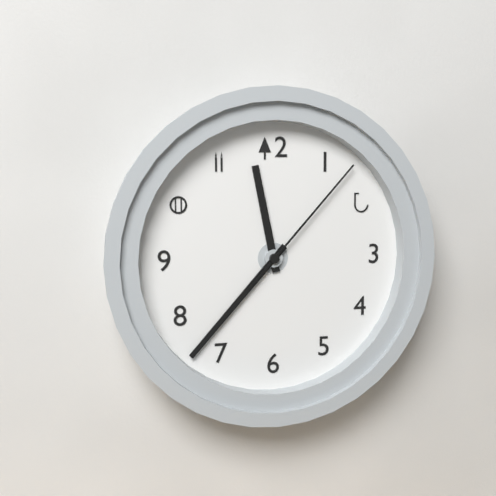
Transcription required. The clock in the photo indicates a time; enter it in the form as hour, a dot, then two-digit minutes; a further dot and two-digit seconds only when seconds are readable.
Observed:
11.37.07
